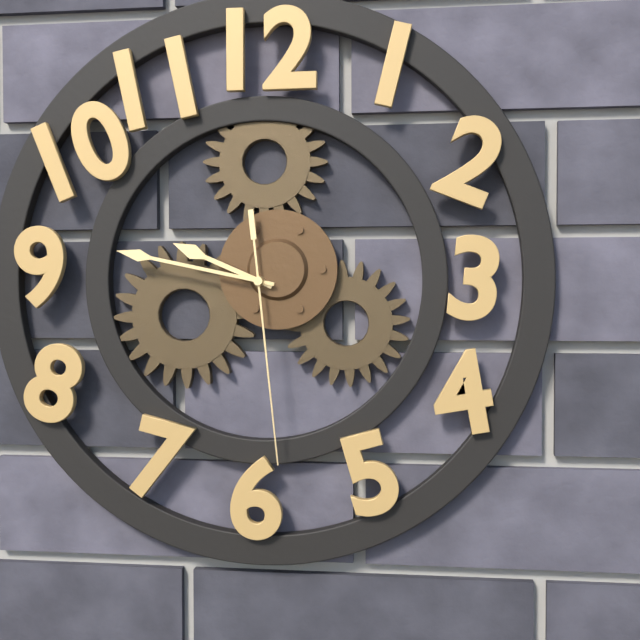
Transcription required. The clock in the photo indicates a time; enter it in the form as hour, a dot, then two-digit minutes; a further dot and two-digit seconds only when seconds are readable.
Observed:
9.47.29
